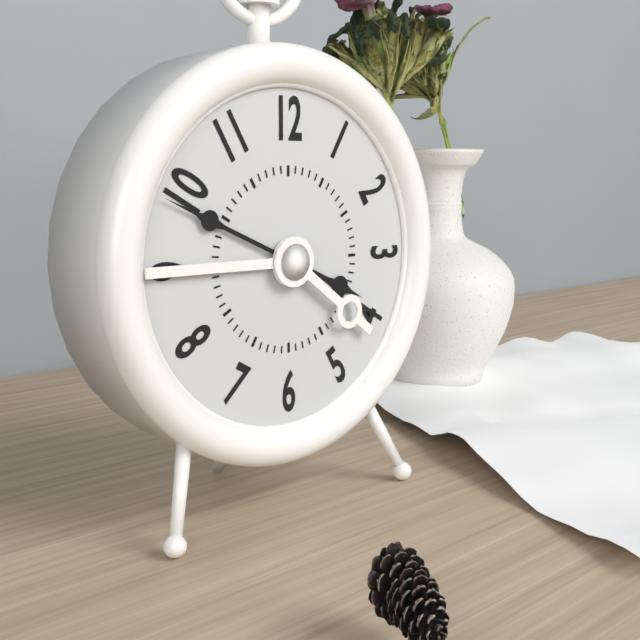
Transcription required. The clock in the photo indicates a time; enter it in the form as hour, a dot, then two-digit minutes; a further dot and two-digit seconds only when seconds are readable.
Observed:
3.49
